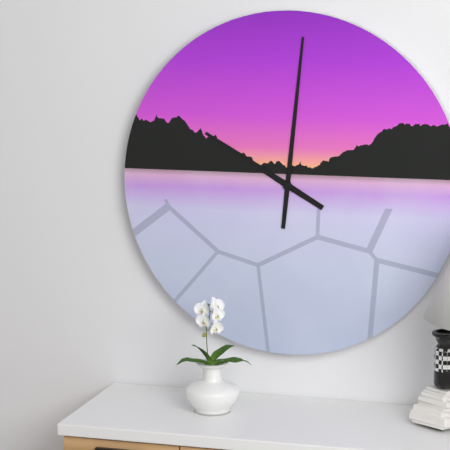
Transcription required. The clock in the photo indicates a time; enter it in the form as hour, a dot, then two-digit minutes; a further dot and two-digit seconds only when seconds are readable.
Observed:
10.01
